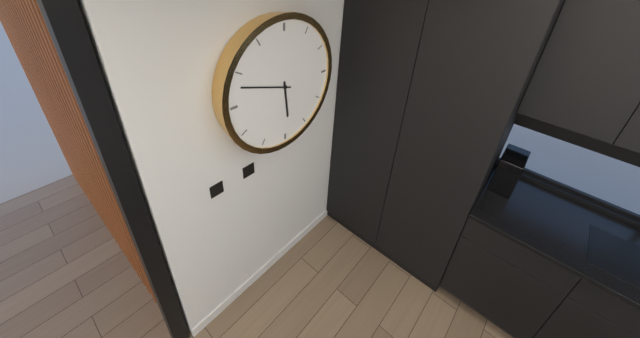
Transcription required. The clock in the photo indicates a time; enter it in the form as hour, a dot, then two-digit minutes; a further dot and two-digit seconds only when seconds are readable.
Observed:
5.48
